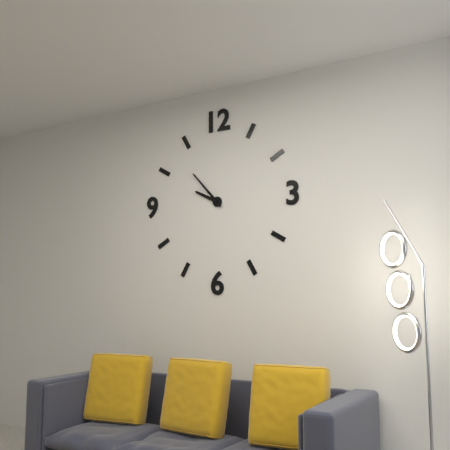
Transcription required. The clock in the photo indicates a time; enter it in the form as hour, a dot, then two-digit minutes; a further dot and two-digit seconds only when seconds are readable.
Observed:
9.53
